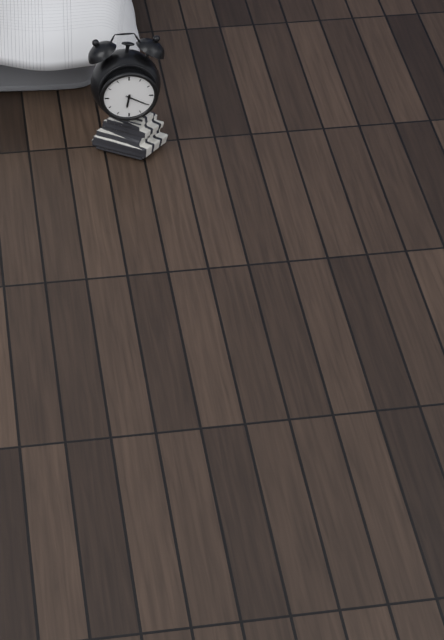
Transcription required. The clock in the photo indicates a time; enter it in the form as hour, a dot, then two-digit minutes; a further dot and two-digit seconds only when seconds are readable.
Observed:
6.20
